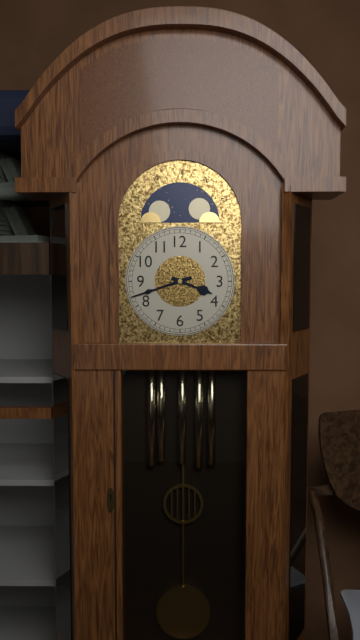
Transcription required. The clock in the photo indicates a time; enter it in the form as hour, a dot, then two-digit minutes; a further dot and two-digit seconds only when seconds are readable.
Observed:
3.42
